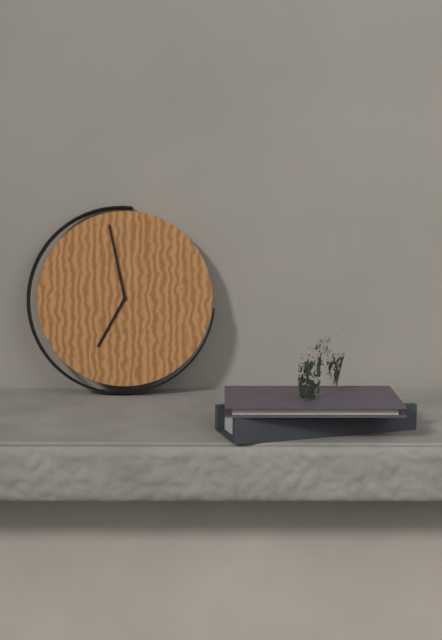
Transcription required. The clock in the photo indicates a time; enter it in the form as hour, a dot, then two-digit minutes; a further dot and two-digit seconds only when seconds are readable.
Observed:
6.58
